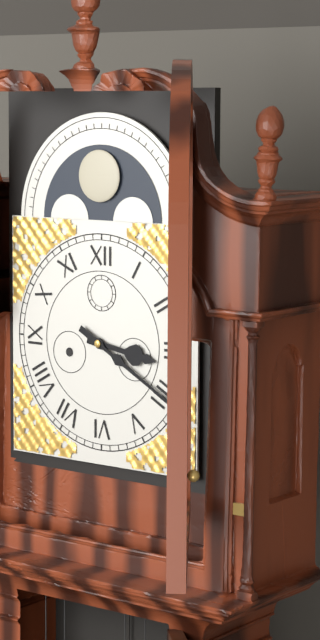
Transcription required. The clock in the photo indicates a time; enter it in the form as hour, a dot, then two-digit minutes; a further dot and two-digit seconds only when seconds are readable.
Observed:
3.20
